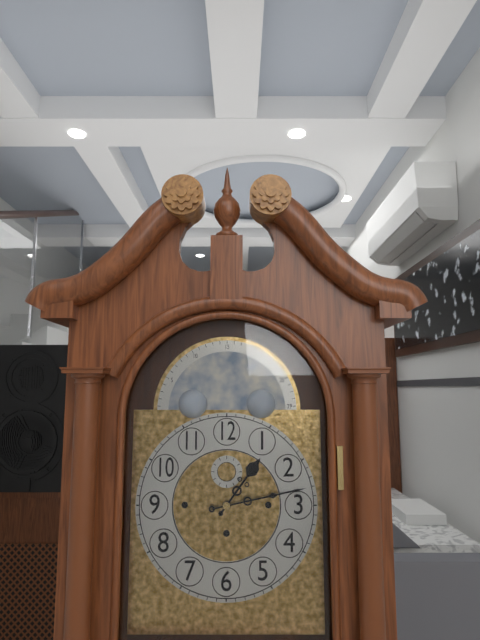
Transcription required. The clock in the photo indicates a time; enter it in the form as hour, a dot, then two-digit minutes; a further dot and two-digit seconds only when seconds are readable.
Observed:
1.13
